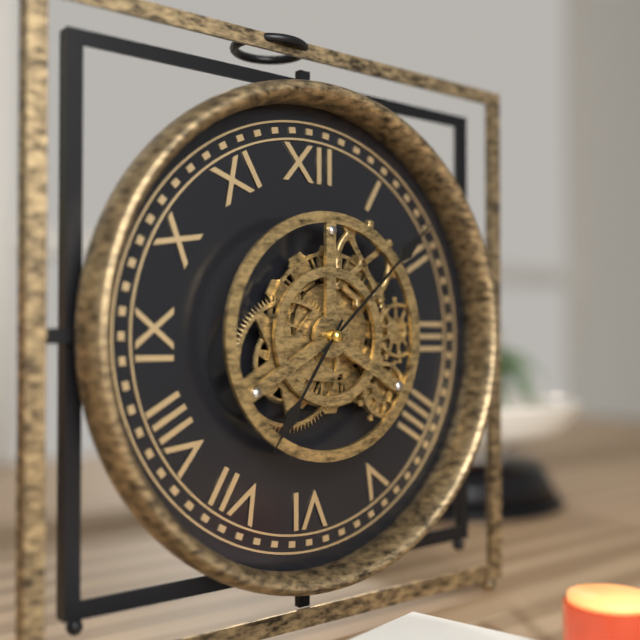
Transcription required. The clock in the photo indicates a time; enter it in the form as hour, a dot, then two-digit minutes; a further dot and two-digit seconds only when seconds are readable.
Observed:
7.08
